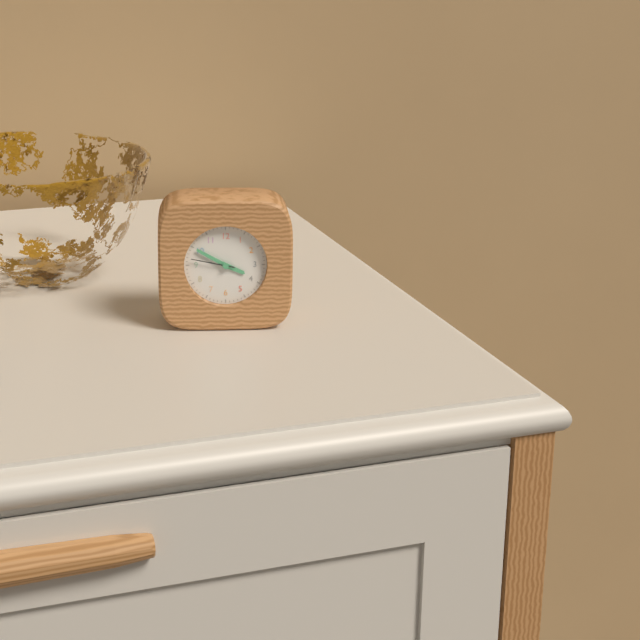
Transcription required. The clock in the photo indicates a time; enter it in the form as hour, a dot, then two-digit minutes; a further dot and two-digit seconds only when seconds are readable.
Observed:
3.50
